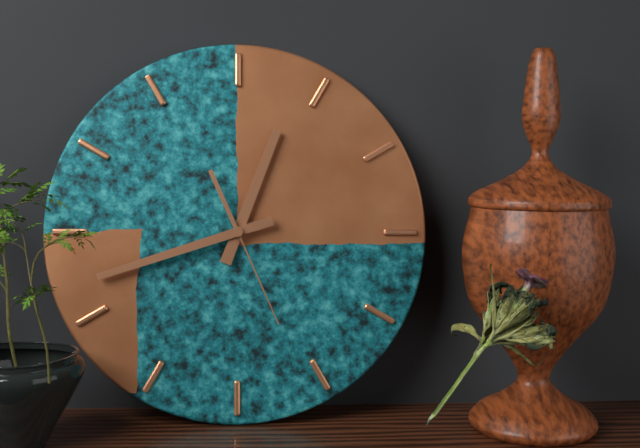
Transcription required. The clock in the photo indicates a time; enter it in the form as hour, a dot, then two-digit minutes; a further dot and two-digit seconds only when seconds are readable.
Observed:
12.42.26
